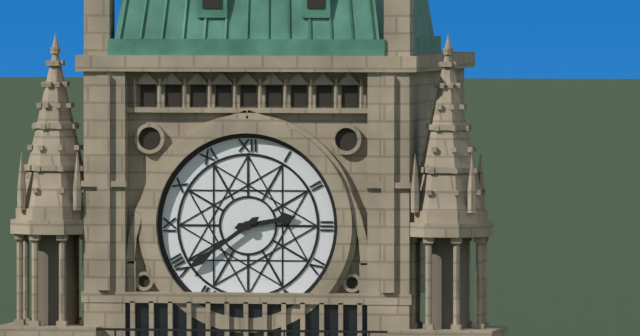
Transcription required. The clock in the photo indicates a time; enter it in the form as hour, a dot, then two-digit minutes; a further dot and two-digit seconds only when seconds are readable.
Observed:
2.39
